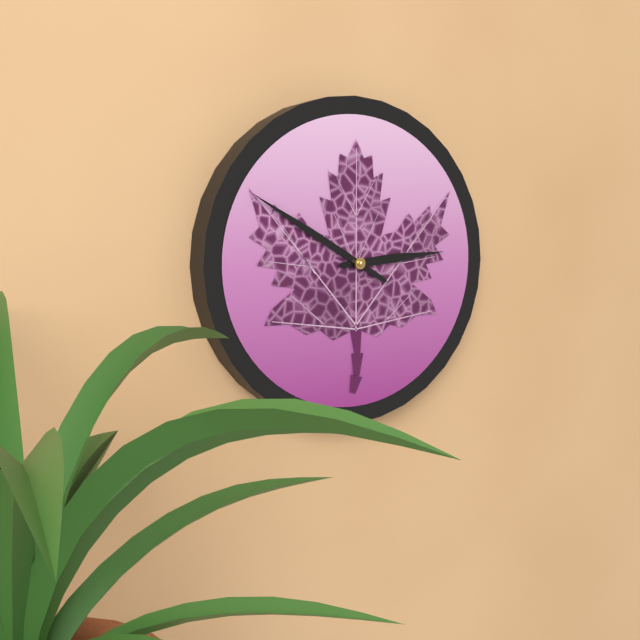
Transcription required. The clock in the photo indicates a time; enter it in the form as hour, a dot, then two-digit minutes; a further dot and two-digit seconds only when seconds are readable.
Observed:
2.50
